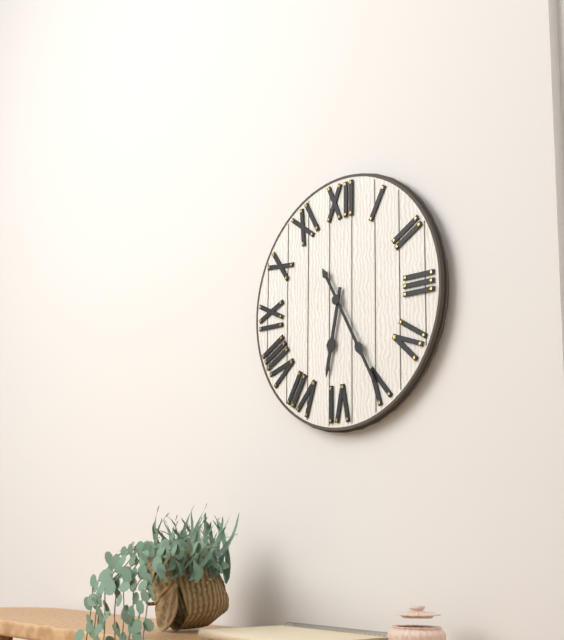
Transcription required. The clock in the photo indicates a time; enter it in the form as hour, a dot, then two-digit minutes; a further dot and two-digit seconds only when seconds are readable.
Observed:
6.25
